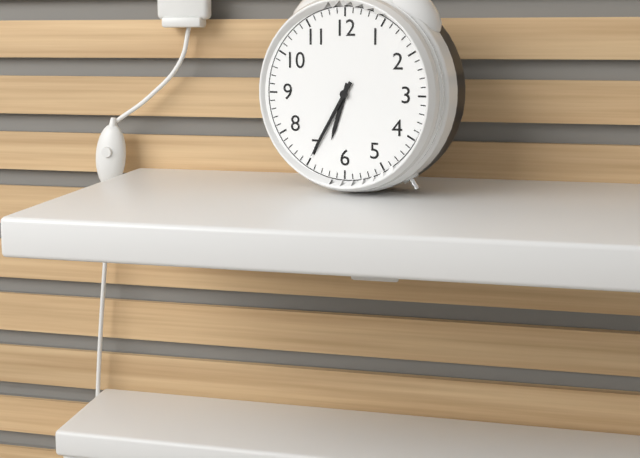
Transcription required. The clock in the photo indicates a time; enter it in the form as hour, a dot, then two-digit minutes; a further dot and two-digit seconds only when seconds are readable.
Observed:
6.35
